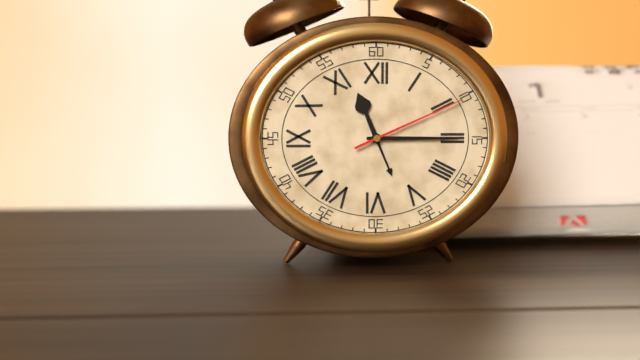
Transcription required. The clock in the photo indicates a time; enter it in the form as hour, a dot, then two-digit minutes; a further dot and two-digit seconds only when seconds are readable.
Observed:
11.15.11
